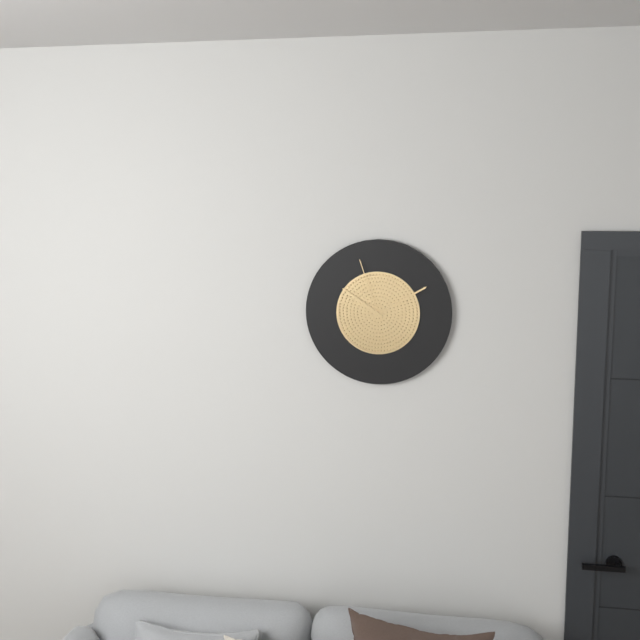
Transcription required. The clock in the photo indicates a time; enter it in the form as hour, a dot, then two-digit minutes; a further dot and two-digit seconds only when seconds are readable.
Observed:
10.10.57
